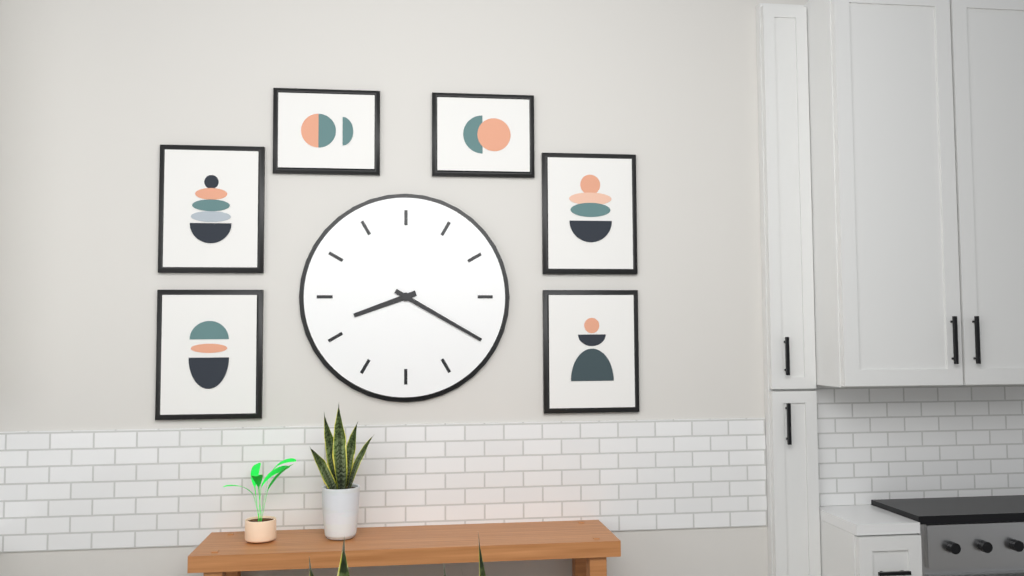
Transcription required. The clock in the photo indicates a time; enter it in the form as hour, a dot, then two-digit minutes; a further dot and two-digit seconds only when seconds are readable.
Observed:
8.20
